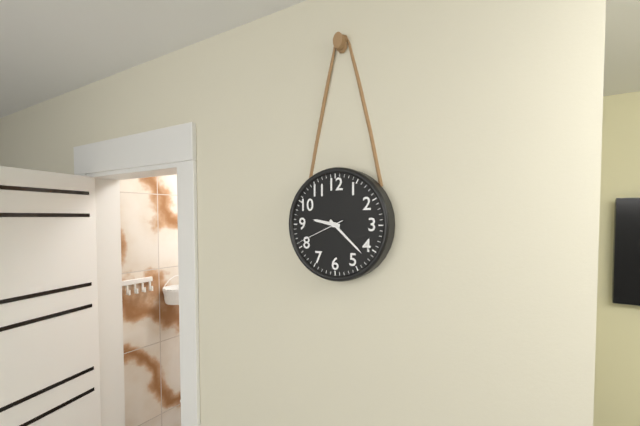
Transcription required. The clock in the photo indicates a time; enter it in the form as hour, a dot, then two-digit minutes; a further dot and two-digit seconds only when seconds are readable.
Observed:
9.22
